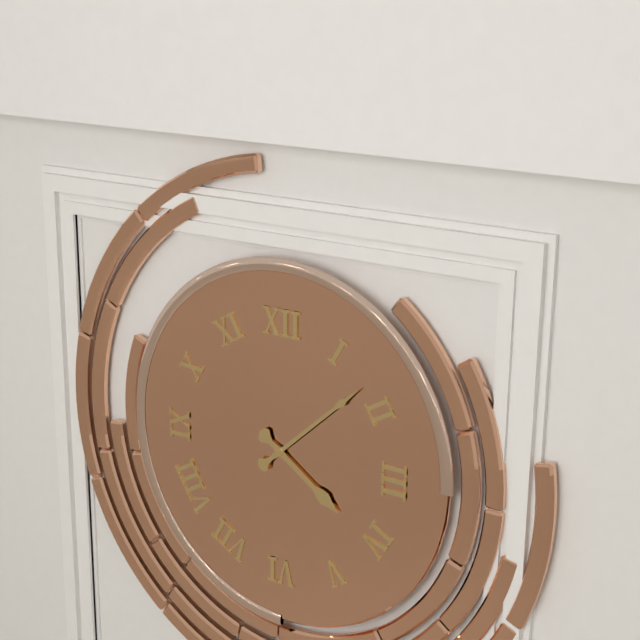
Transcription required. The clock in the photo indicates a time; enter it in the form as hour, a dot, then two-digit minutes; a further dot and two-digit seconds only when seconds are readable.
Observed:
4.08
